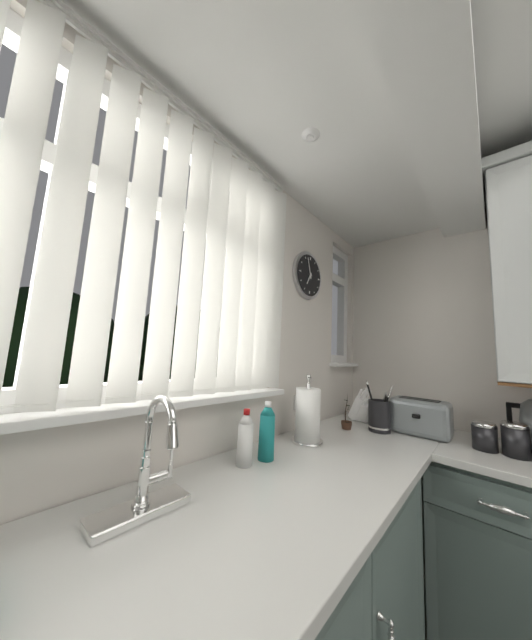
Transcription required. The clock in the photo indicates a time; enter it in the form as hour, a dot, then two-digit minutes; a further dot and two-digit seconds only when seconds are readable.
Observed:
6.57
